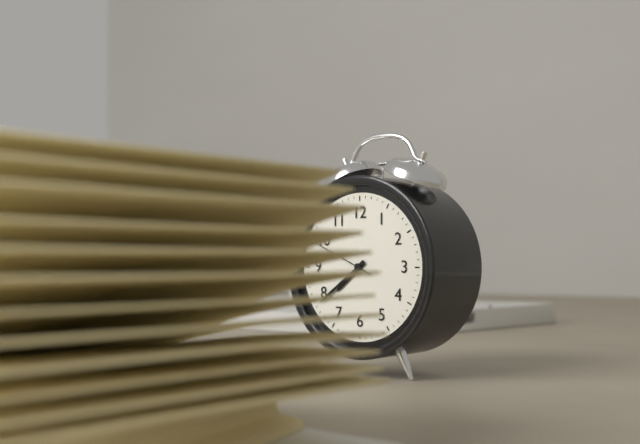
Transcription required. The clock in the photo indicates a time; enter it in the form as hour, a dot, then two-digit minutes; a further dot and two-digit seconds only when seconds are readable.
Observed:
7.39
